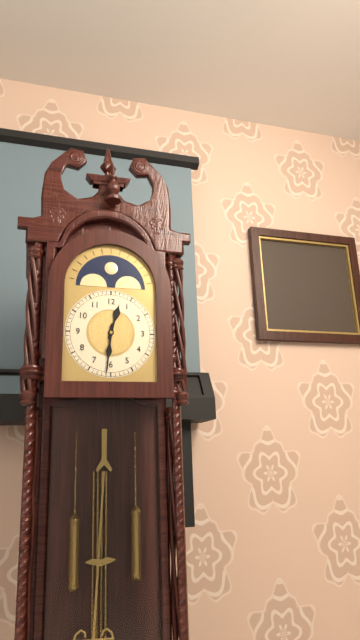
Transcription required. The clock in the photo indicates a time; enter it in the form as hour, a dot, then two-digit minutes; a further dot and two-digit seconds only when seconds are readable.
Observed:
12.31
